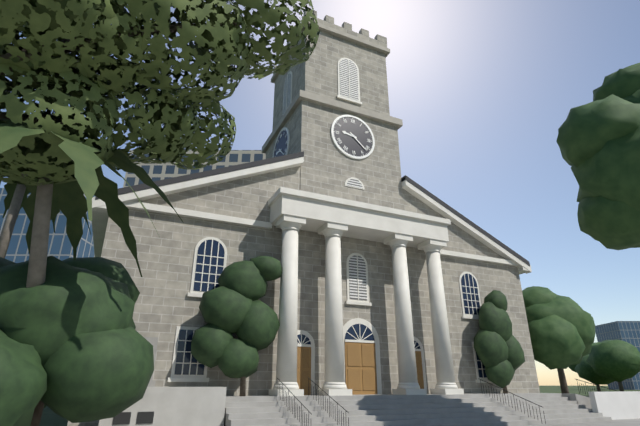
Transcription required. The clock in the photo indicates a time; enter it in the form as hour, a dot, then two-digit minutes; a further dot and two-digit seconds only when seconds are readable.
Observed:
9.22
